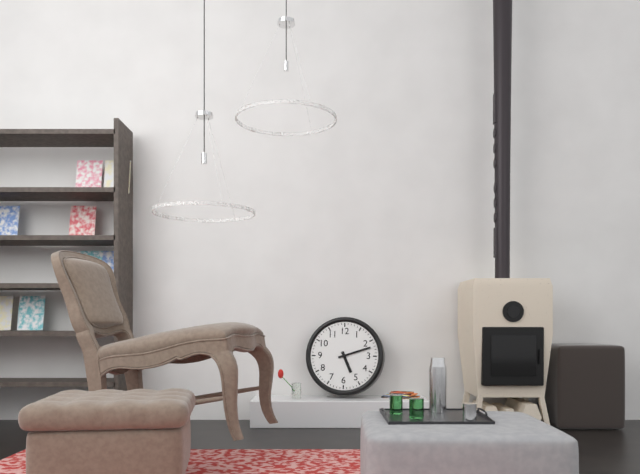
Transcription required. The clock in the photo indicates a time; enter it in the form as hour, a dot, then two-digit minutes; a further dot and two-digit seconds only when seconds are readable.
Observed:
5.12
